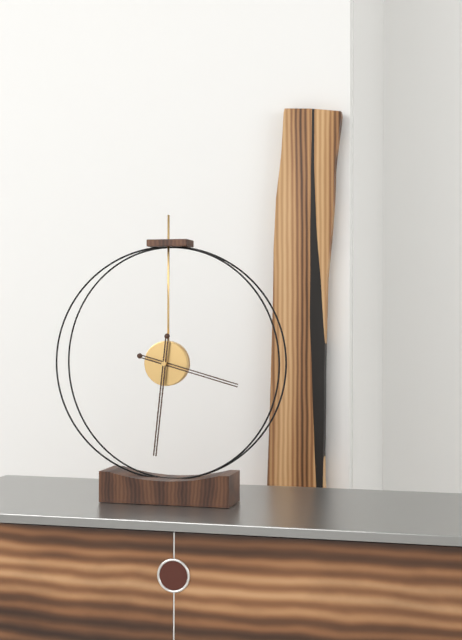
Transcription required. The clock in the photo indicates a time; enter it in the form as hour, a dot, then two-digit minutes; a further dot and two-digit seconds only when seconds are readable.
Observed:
3.31
